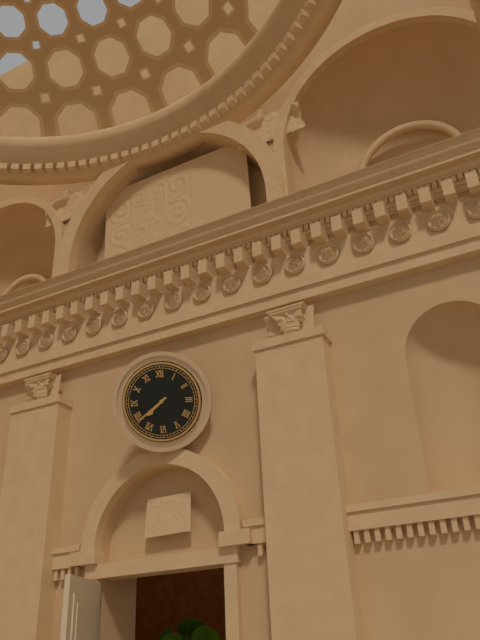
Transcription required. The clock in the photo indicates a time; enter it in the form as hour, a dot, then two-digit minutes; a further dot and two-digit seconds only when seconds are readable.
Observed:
7.39
